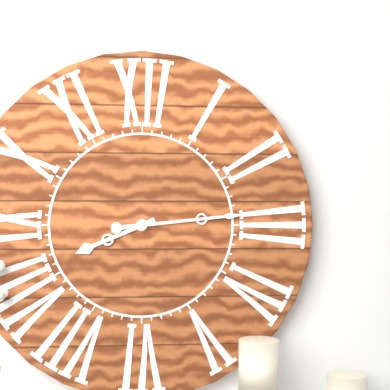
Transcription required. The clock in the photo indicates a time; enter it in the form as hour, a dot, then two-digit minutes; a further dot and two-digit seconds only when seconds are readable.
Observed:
8.14
